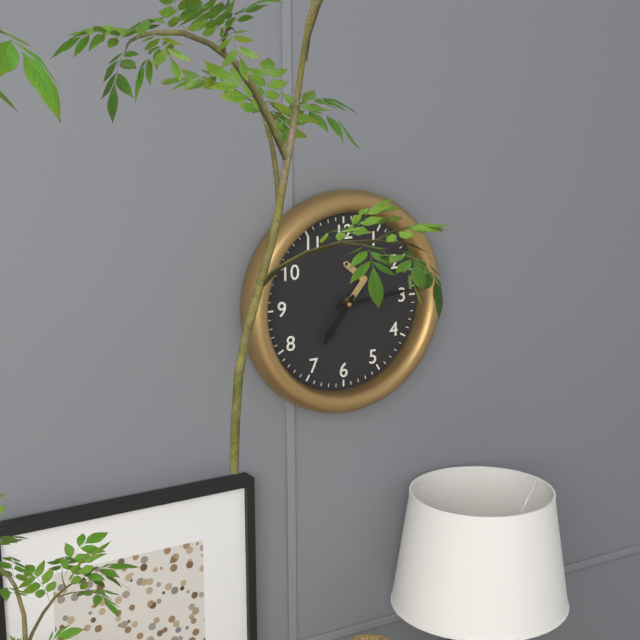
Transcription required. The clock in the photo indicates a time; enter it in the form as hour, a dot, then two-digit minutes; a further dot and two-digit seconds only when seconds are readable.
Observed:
7.14
